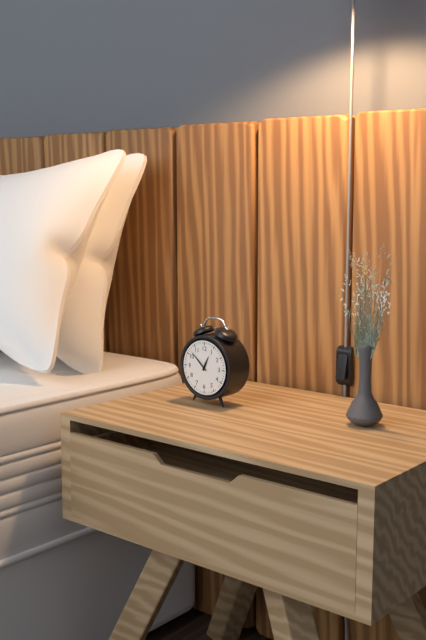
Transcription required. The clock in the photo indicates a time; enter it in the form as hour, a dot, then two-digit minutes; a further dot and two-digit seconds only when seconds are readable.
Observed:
12.52
